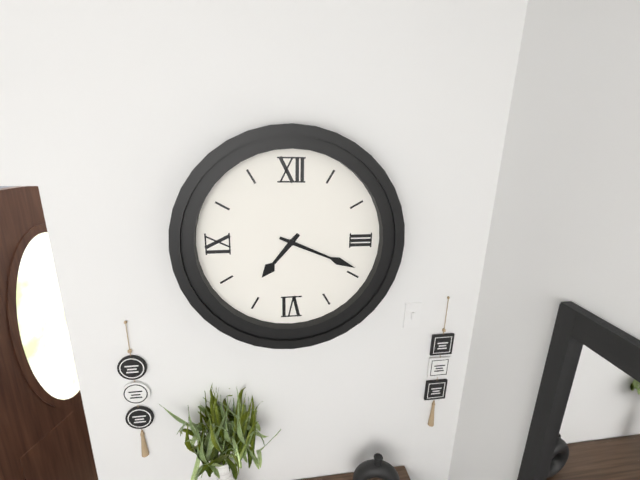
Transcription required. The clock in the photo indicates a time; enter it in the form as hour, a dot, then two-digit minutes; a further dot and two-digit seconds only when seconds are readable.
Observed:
7.19
